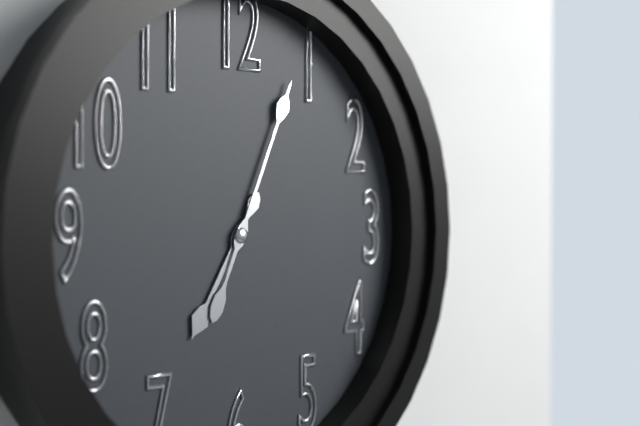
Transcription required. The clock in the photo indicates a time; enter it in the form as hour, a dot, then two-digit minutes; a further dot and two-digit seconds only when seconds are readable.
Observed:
7.04
